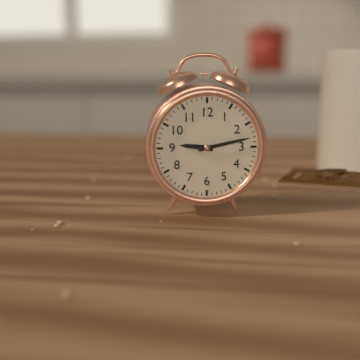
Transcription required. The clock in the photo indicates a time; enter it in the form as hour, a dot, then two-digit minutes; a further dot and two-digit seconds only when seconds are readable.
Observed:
9.13
